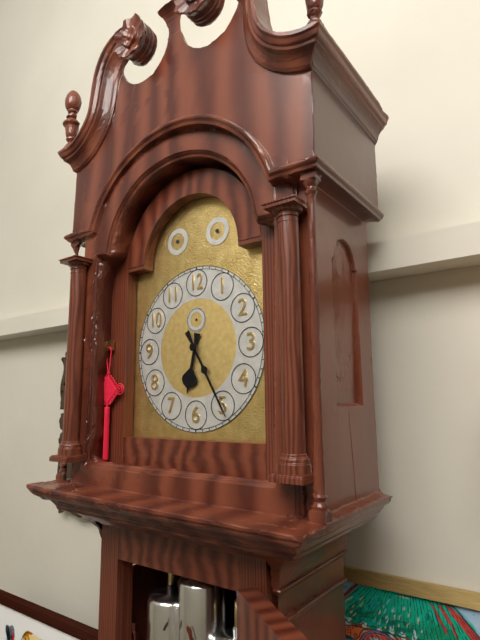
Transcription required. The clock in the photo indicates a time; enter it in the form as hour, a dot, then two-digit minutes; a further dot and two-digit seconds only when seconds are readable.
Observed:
6.25
